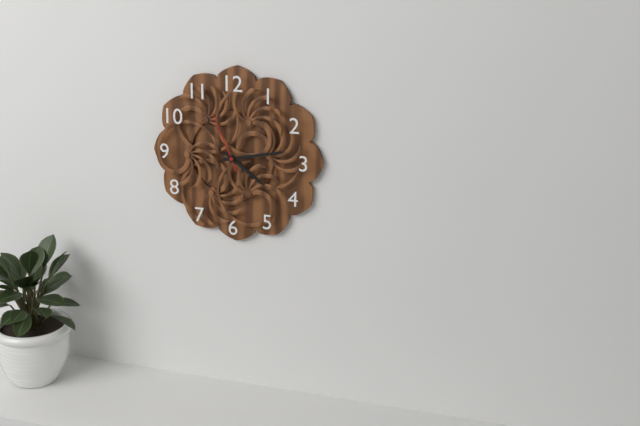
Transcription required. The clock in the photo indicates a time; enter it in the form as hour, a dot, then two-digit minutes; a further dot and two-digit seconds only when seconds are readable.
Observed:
4.13.56
